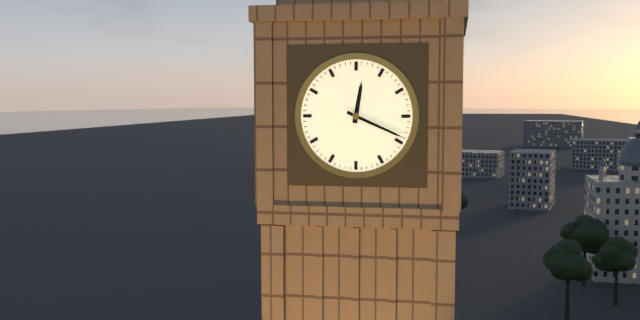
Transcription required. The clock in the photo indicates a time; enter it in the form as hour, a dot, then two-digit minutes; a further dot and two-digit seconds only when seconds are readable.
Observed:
12.19
